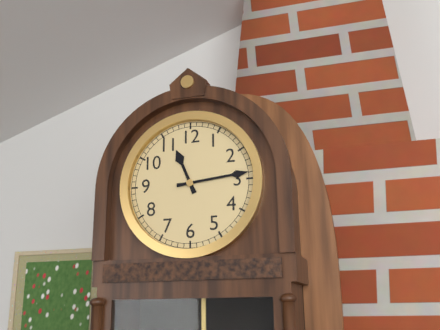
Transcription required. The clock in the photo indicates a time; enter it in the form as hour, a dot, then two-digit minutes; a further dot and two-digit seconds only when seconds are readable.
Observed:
11.14
